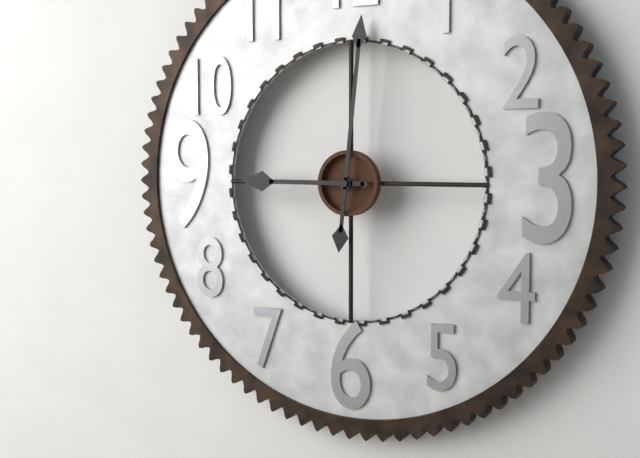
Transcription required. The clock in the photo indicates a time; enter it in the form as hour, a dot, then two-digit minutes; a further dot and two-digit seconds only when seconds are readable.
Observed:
9.01
